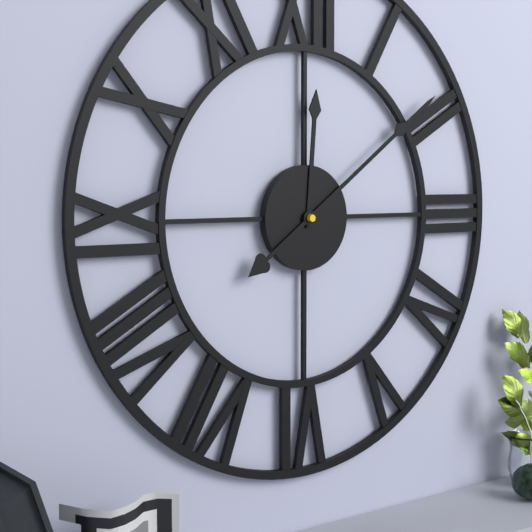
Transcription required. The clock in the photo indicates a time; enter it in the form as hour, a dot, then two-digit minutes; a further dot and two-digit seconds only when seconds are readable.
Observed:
12.09
